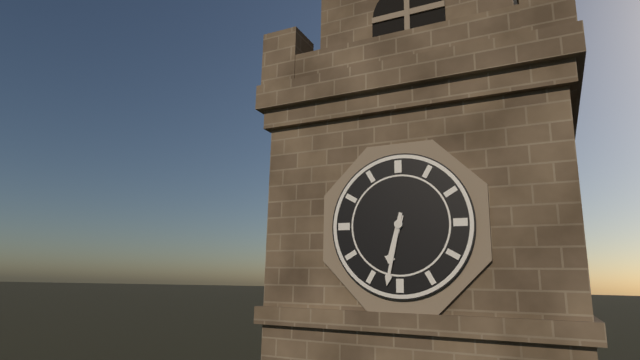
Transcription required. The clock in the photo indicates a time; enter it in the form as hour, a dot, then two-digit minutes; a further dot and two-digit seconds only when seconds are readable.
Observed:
6.32
